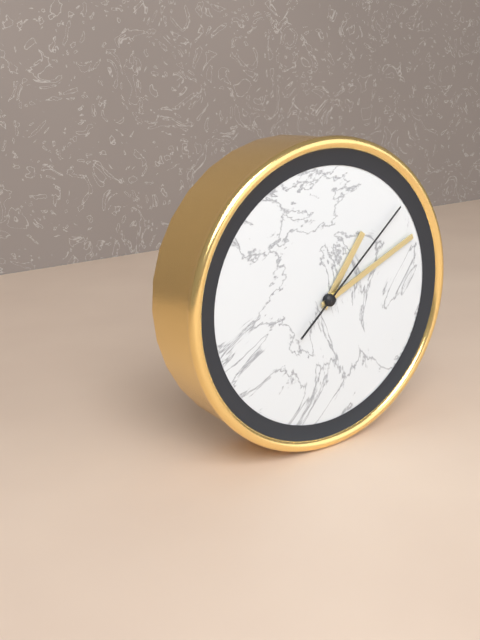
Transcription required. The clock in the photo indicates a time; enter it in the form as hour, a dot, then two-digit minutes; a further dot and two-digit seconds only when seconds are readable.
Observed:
1.11.08
